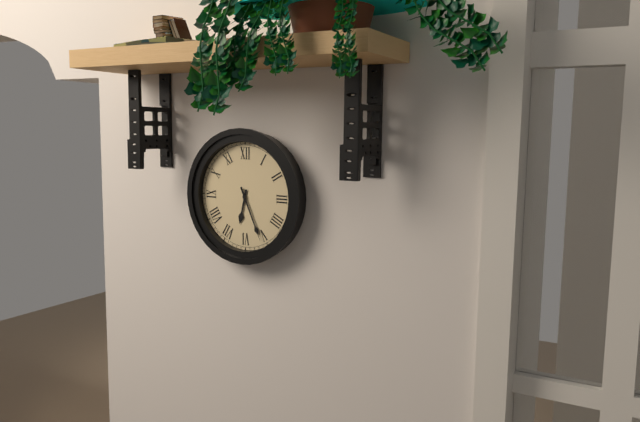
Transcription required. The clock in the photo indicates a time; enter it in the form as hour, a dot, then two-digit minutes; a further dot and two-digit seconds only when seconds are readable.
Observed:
6.26
